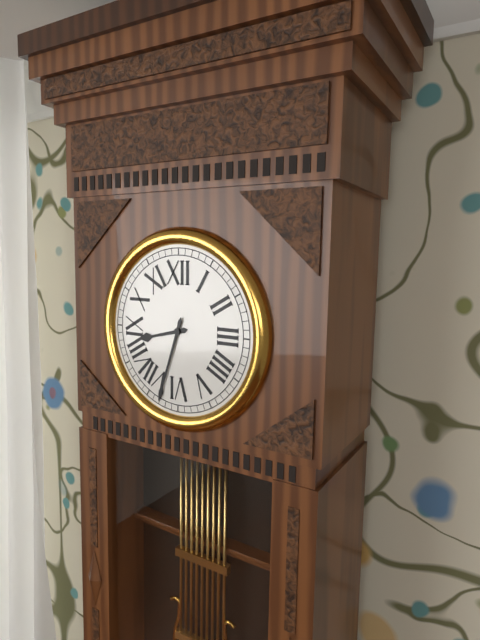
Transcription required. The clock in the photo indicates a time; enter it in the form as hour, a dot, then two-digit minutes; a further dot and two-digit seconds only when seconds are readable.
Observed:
8.33
